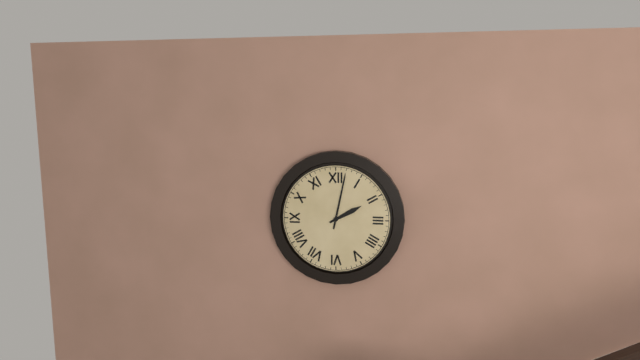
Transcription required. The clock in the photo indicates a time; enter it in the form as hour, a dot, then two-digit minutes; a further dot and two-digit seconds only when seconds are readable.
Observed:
2.02
